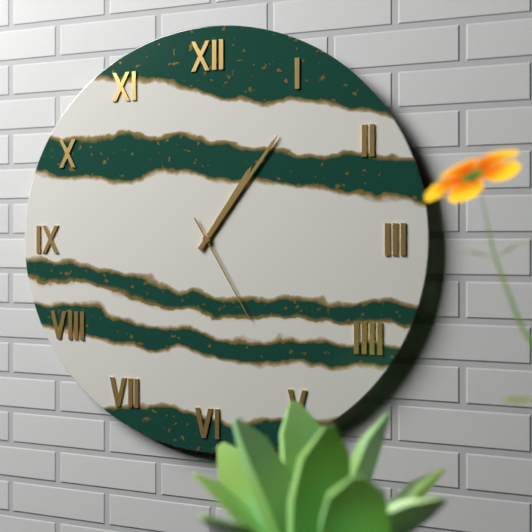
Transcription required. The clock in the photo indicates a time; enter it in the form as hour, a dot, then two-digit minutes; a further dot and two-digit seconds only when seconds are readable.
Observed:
1.06.25
